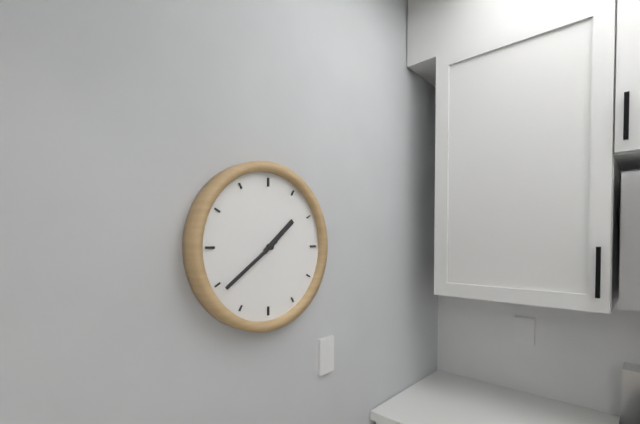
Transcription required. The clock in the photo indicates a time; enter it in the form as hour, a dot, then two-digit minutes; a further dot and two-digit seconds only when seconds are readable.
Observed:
1.39
